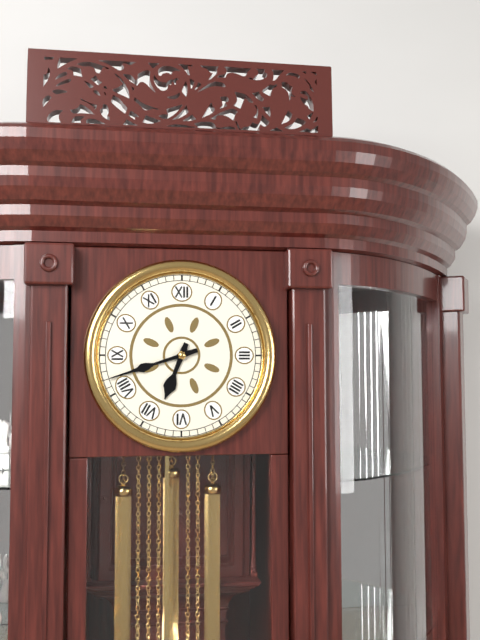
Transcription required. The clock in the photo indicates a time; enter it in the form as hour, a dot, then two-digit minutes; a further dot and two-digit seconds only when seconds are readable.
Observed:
6.42
